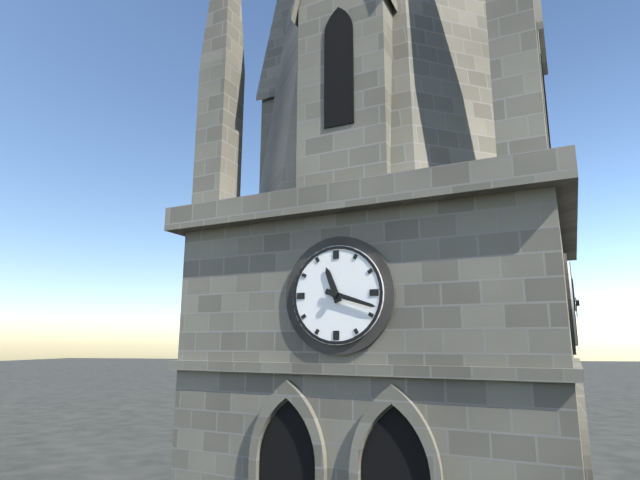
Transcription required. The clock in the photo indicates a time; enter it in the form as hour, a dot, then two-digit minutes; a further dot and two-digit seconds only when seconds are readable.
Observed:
11.18
